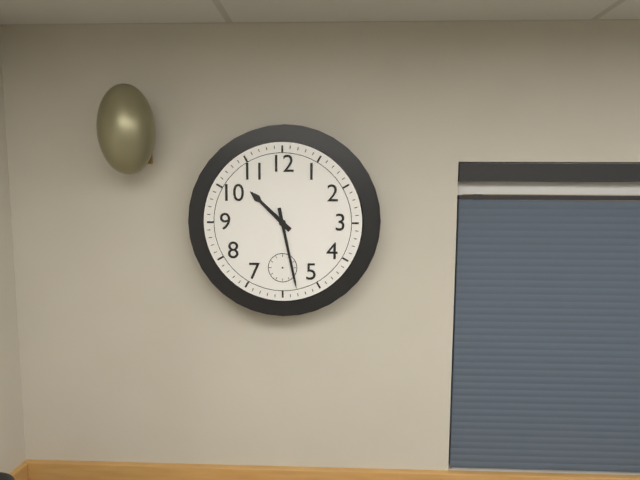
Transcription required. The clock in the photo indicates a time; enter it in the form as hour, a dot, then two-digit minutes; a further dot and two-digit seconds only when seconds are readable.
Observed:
10.28
